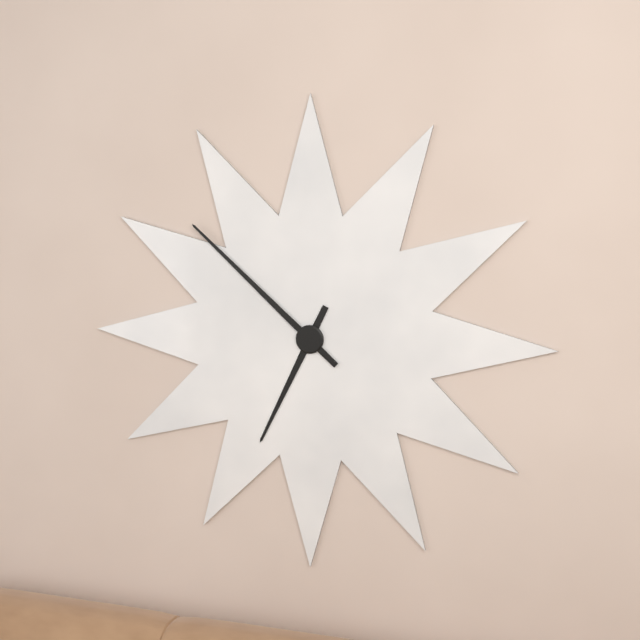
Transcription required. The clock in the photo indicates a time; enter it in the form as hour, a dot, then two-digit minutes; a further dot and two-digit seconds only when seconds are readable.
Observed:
6.52
